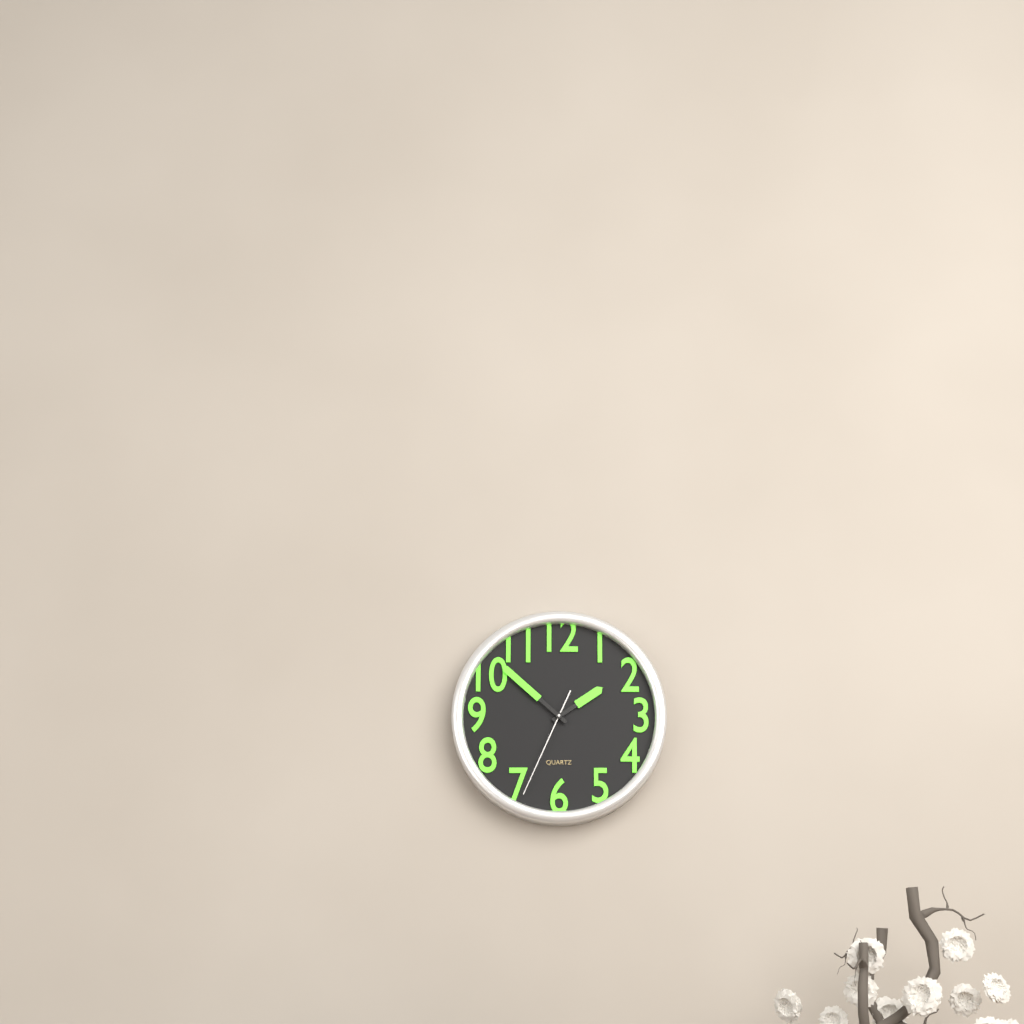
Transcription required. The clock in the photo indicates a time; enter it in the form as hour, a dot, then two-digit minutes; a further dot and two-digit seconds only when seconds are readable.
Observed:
1.52.34
